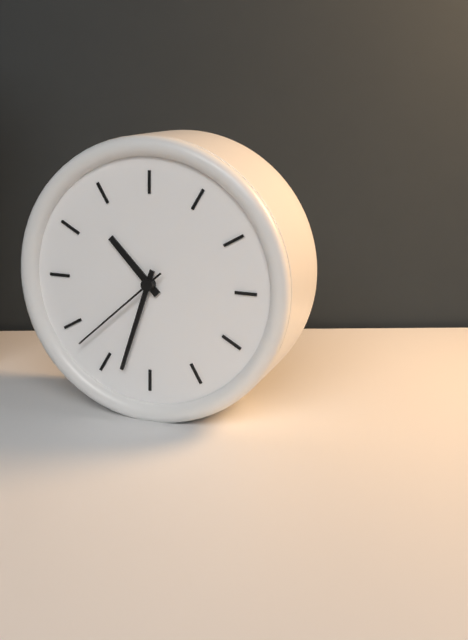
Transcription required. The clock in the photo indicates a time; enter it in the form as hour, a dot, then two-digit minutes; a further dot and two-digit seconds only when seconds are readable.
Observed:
10.33.38
